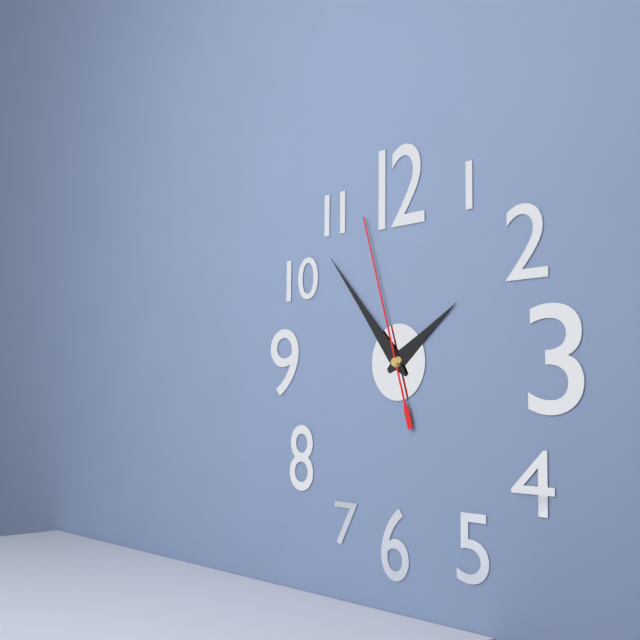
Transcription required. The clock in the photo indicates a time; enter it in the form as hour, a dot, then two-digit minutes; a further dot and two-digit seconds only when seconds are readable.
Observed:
1.53.57
